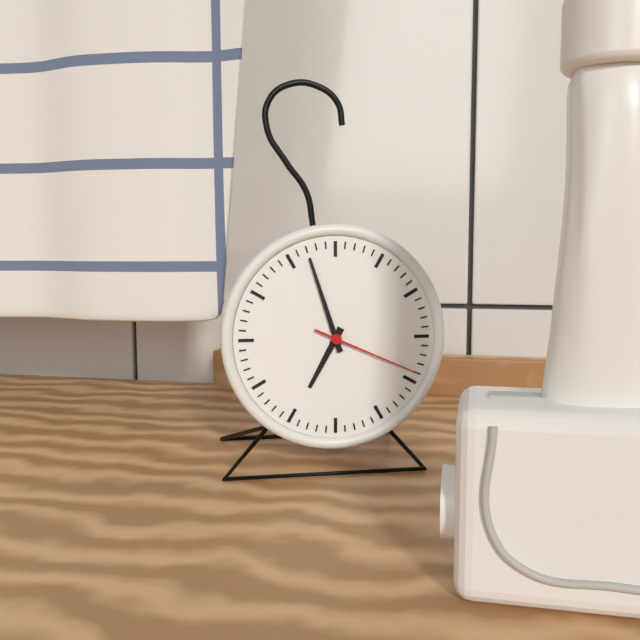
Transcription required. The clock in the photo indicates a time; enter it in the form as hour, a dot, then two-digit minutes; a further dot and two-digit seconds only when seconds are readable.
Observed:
6.57.19
